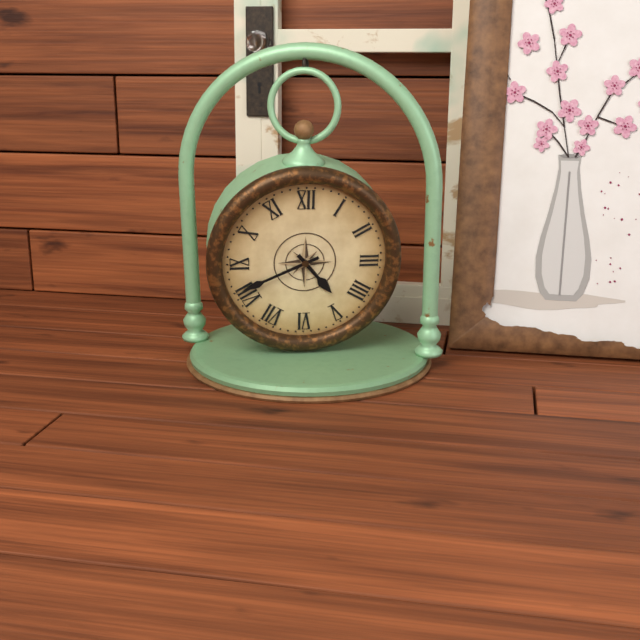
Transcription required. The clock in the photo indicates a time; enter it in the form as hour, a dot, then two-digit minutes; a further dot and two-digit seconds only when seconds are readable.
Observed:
4.41
